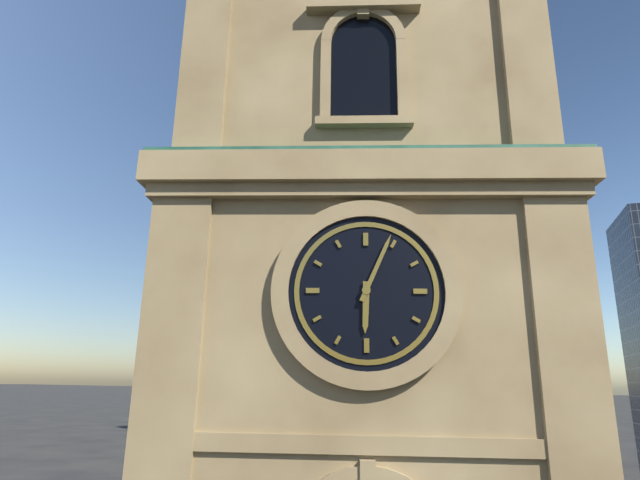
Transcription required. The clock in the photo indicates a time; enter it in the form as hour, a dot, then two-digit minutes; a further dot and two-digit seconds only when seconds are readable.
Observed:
6.04
